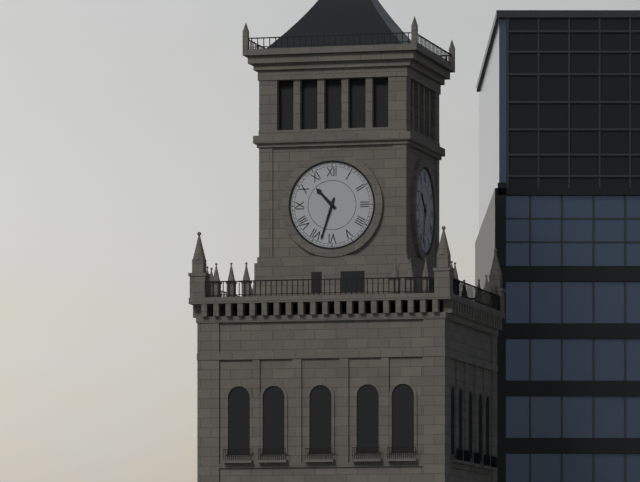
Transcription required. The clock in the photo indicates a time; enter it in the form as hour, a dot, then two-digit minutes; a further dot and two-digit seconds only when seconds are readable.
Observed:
10.33
